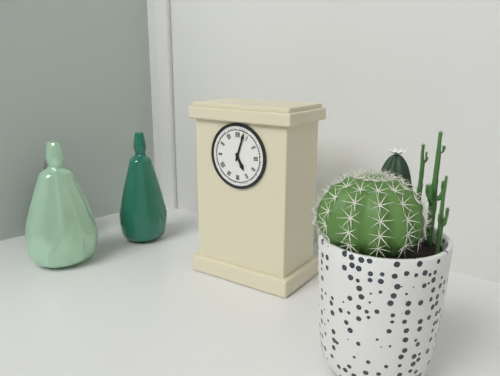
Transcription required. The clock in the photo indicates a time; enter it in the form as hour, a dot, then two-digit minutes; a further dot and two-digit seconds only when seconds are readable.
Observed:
5.03
